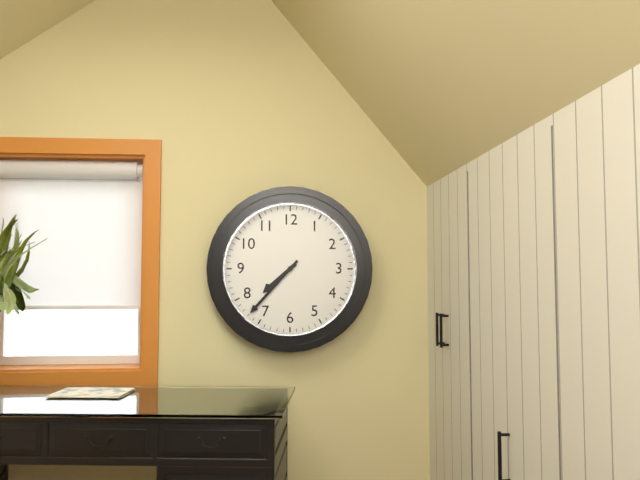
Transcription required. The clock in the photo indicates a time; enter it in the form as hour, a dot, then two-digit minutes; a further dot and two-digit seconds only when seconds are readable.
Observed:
7.37
